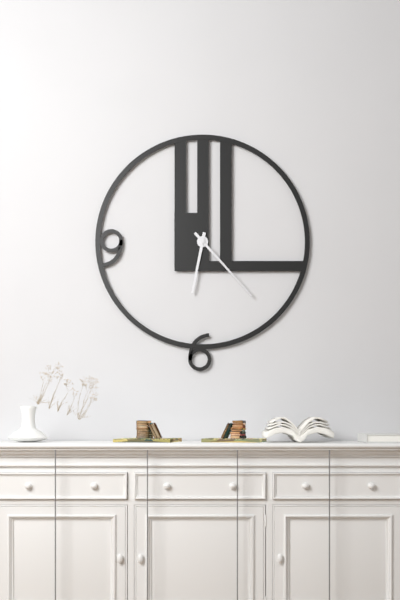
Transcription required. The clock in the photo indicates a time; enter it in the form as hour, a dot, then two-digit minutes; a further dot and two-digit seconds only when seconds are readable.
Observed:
6.23
